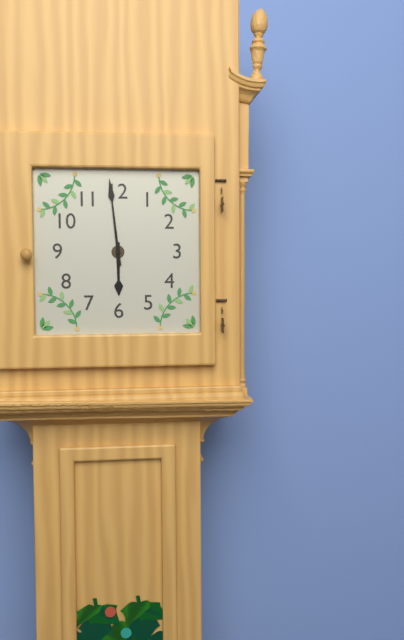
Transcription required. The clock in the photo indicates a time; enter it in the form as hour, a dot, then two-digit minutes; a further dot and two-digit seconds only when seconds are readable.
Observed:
5.59
